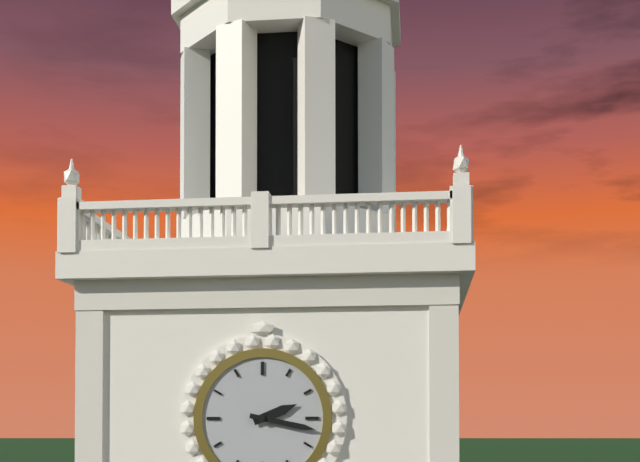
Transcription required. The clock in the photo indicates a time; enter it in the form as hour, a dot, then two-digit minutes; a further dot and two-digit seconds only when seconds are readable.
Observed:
2.17
